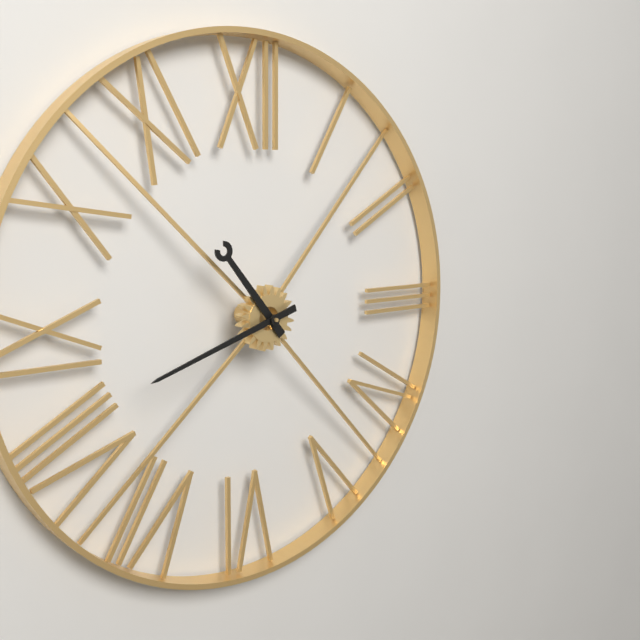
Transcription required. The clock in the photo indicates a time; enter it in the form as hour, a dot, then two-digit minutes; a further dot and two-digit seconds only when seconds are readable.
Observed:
10.42
